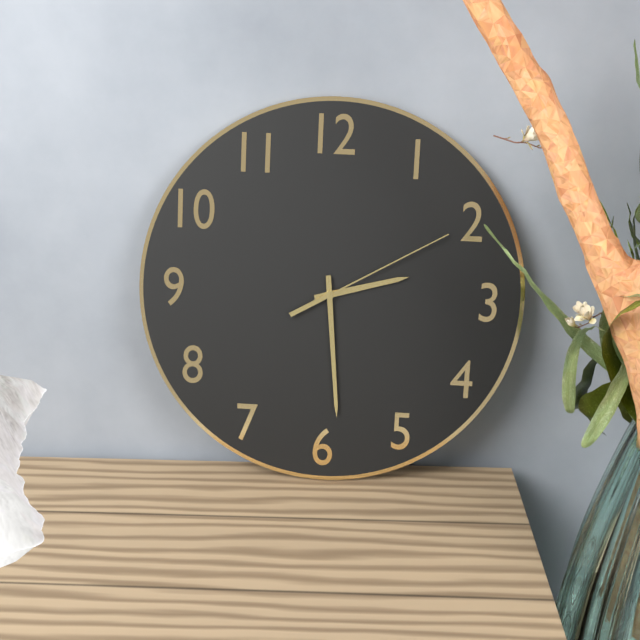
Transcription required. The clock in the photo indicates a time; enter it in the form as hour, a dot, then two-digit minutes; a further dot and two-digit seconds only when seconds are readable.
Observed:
2.29.10
